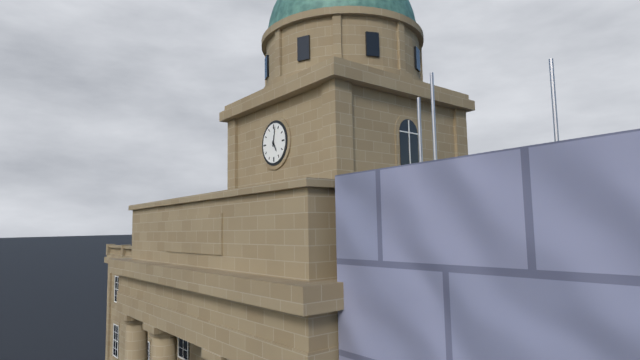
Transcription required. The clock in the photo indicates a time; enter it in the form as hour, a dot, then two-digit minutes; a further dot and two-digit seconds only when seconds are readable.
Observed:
5.02
